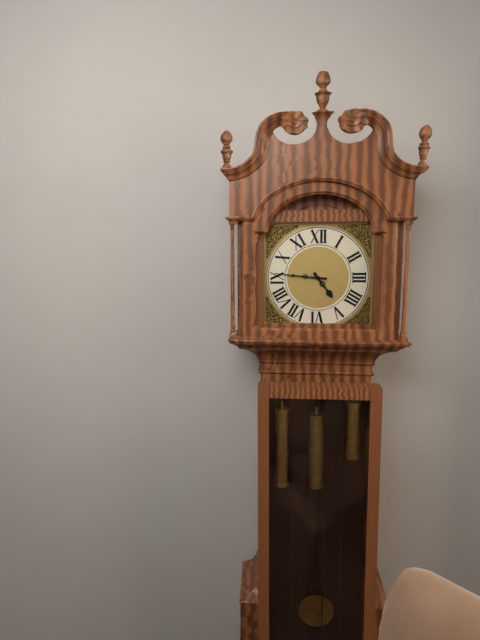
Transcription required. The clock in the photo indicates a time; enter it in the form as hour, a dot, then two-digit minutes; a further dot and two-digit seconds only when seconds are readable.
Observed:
4.46
